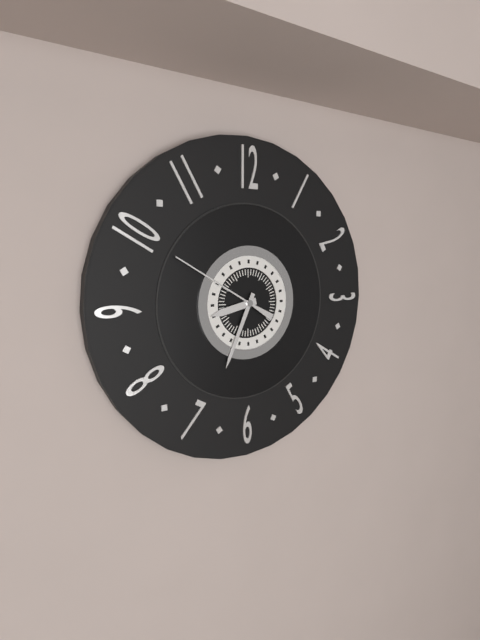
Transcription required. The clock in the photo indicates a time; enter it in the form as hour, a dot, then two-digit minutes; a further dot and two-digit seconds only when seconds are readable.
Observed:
8.34.50
